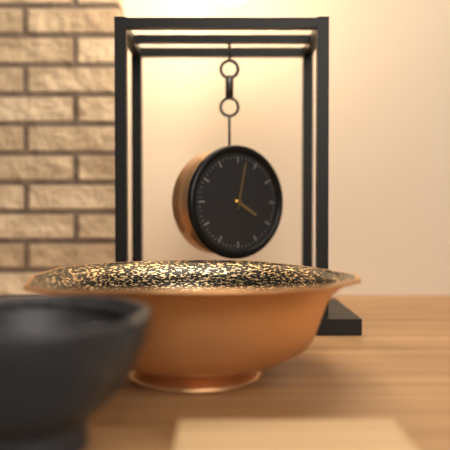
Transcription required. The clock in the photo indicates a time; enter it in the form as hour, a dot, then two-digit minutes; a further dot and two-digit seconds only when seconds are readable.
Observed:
4.02
